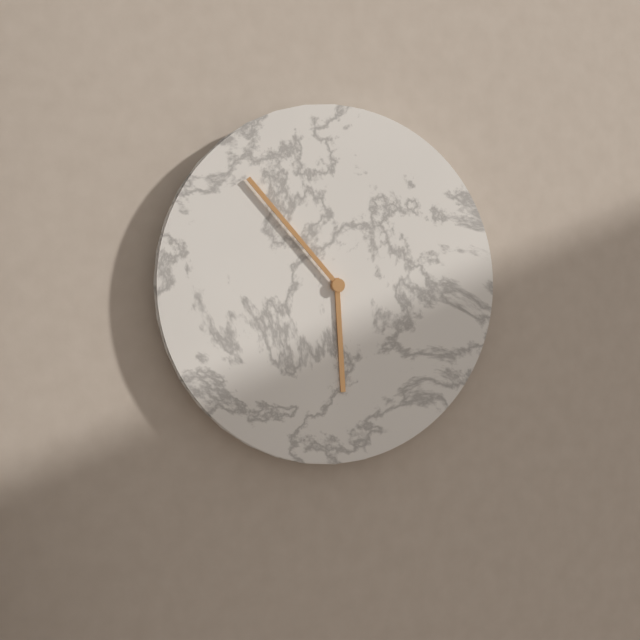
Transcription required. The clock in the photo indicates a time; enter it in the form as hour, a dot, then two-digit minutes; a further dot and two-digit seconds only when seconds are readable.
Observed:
5.53
